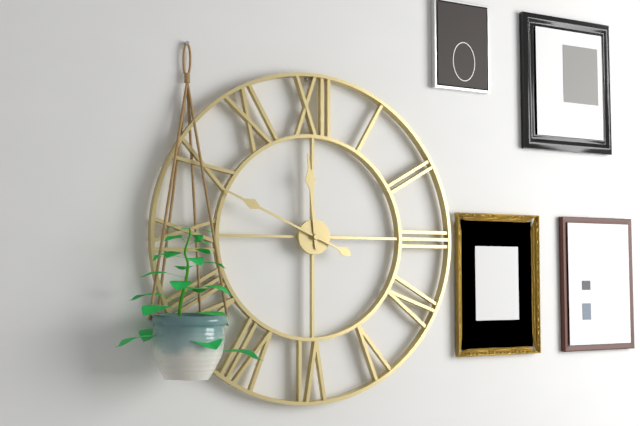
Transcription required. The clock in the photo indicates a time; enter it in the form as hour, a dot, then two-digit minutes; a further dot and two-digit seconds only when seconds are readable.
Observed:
11.49
